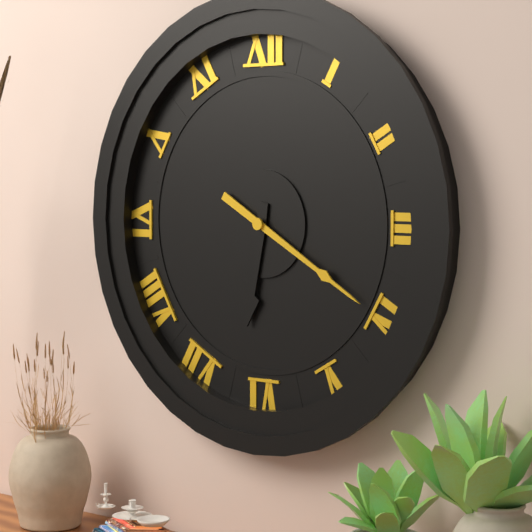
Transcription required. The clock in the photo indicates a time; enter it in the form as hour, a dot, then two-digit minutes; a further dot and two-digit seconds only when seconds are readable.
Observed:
6.20
